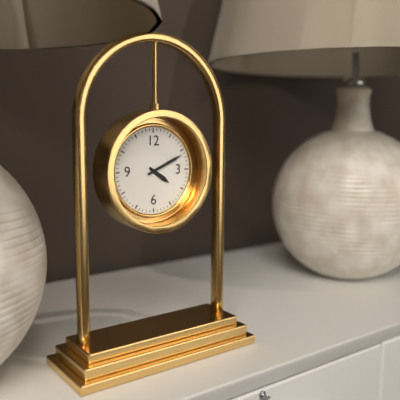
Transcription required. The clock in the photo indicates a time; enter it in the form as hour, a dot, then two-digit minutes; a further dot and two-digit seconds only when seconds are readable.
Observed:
4.11
